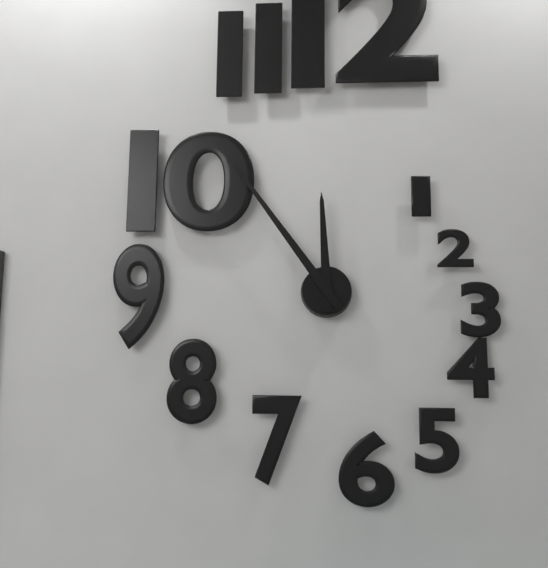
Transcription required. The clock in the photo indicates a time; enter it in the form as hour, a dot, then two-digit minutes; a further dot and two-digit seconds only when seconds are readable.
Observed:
11.54
